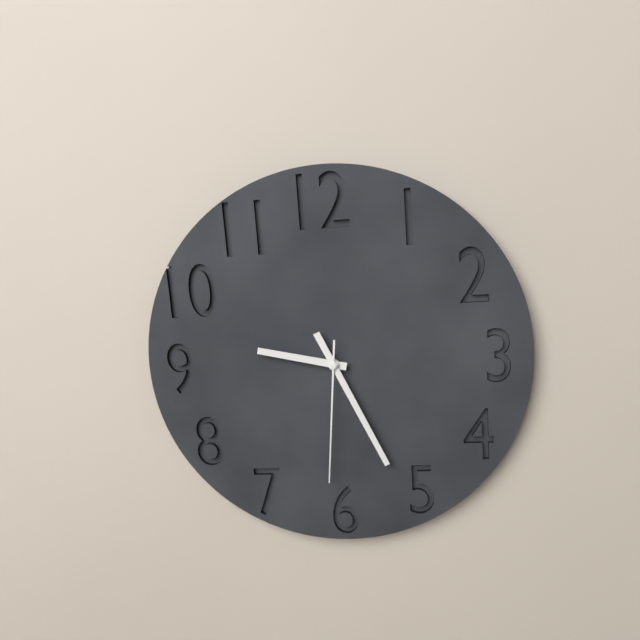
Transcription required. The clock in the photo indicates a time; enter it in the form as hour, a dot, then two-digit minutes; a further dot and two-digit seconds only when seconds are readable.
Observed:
9.26.31
